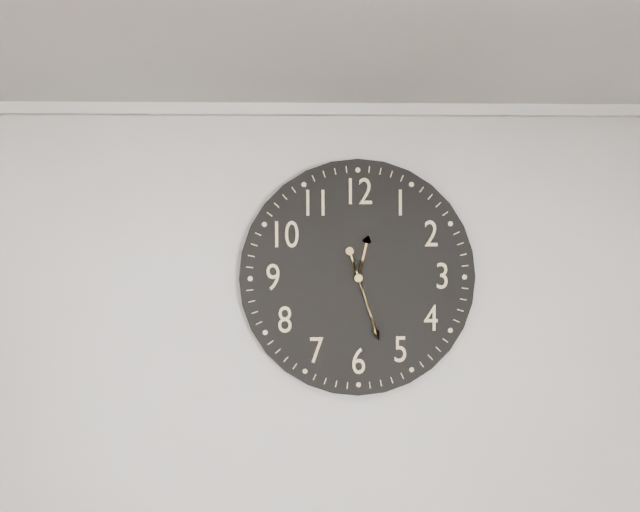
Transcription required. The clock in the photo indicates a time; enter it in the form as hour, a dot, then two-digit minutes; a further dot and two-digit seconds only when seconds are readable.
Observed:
12.27
